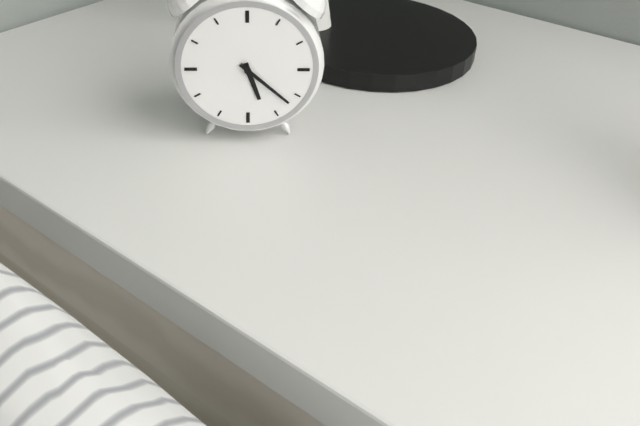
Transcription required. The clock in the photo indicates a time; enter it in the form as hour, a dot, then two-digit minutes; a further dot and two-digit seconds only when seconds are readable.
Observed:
5.22
